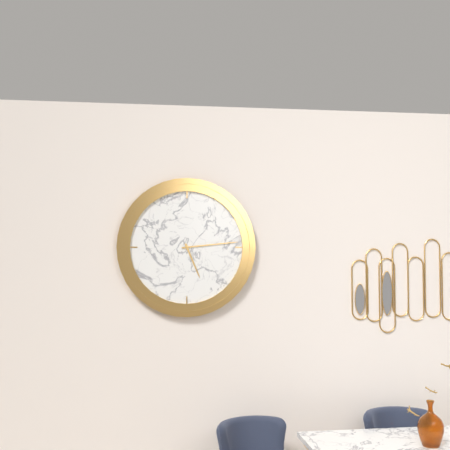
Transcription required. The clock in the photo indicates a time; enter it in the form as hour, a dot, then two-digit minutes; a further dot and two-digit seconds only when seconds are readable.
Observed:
5.14
